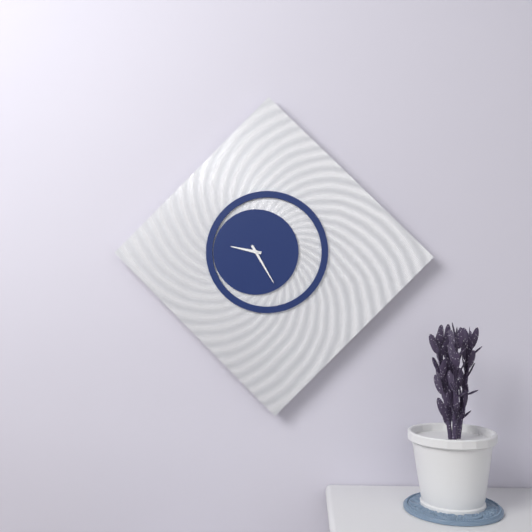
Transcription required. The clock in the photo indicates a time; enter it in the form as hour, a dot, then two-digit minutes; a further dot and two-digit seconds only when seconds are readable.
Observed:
9.25
